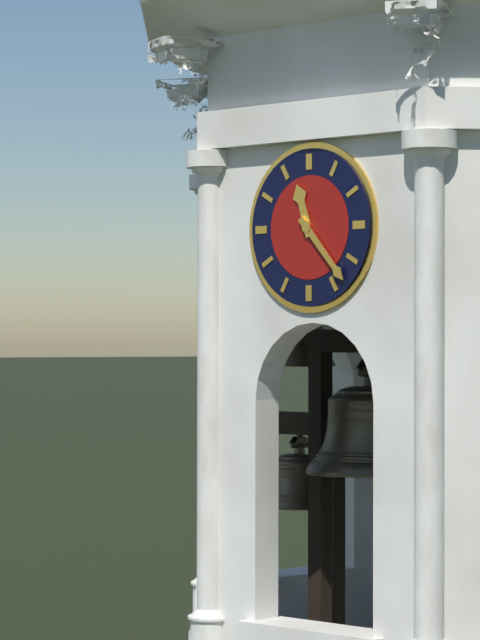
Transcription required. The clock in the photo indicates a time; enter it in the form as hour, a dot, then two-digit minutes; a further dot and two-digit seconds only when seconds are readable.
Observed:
11.23
